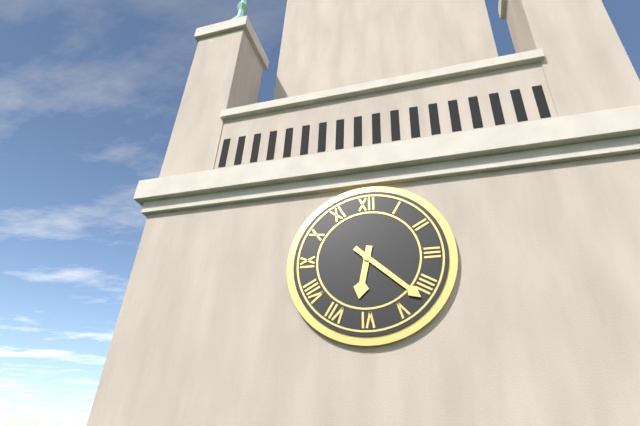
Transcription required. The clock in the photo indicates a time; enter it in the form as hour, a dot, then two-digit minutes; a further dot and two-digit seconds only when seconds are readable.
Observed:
6.22
